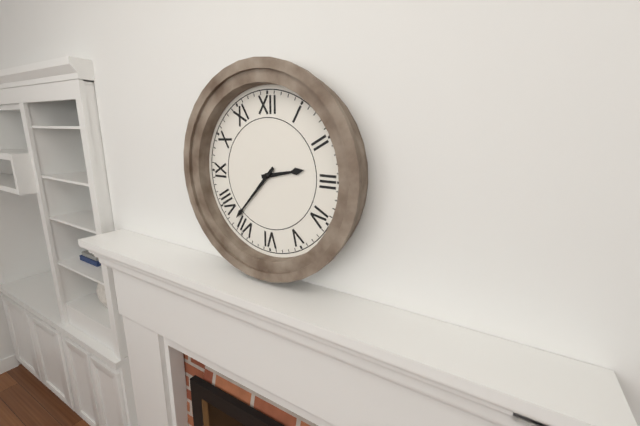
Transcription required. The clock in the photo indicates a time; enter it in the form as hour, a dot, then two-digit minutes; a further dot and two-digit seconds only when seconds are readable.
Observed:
2.37
